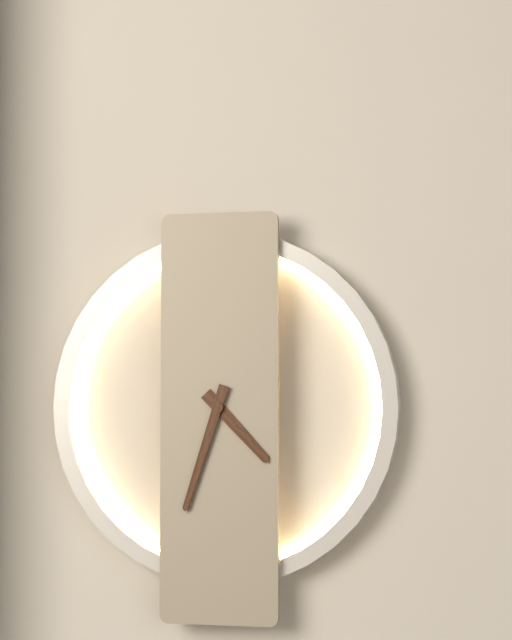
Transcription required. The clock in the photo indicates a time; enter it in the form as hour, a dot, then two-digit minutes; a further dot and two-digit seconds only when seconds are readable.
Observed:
4.33
